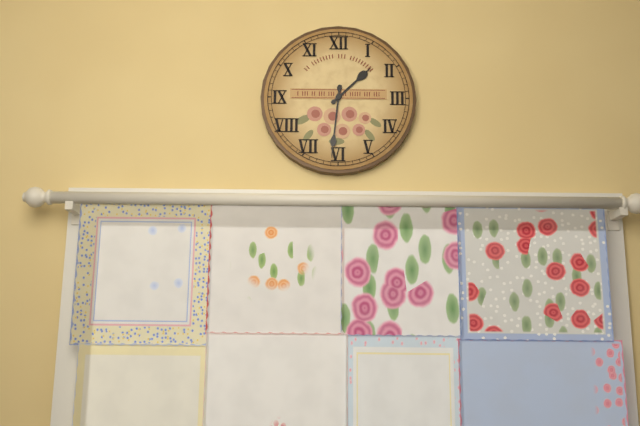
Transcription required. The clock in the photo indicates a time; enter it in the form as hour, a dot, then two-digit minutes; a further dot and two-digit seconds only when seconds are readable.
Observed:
1.31
